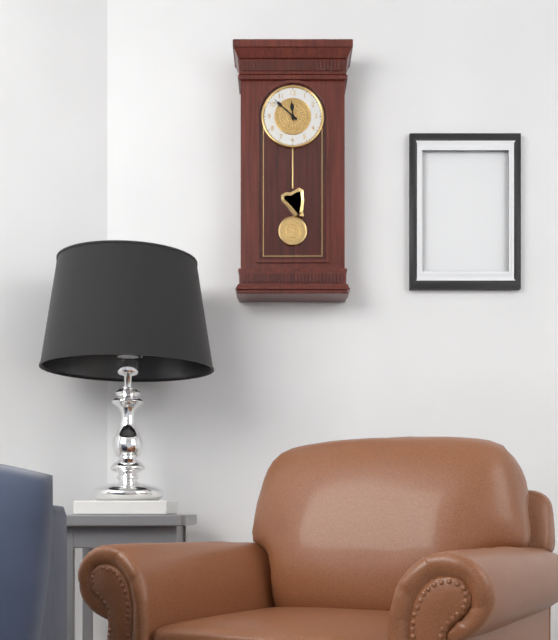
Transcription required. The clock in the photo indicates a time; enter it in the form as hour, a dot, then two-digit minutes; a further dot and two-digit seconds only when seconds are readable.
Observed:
11.52
